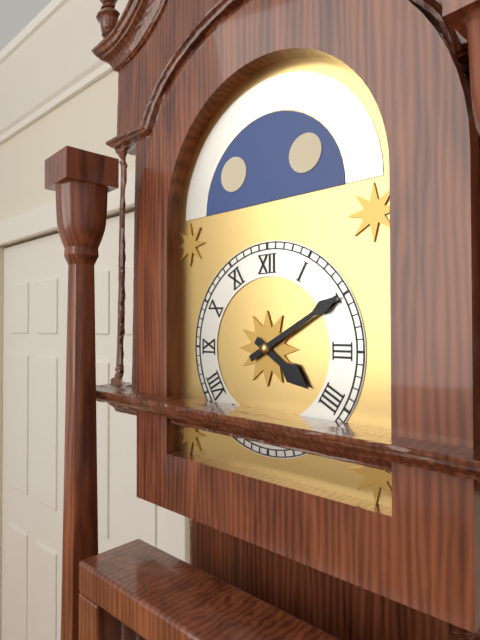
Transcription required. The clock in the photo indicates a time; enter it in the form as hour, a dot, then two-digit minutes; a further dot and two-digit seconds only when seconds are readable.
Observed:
4.10
